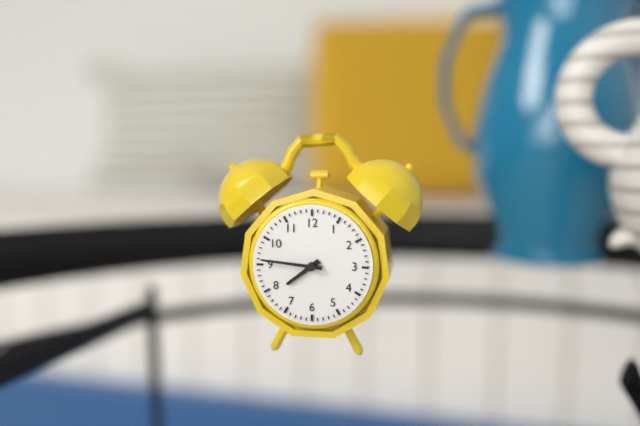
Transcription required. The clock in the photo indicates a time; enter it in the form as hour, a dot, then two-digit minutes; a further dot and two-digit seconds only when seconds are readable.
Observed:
7.46
